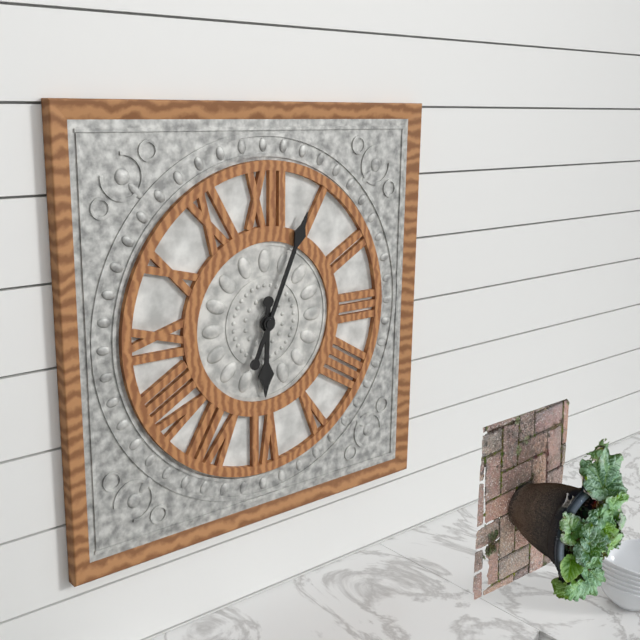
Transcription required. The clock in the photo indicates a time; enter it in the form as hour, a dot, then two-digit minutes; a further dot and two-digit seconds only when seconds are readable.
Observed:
6.04
